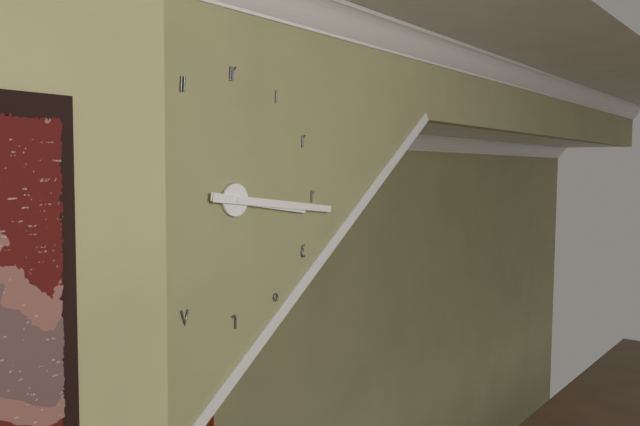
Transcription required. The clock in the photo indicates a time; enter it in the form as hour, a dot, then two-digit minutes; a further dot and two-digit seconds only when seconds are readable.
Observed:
3.16
